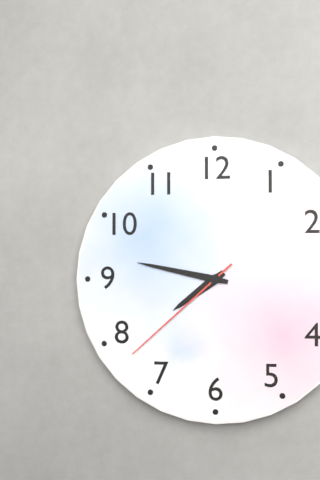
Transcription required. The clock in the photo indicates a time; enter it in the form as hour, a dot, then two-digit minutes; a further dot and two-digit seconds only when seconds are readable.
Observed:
7.47.38
